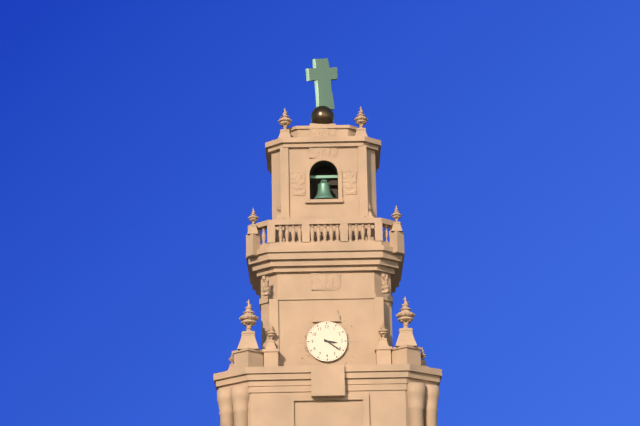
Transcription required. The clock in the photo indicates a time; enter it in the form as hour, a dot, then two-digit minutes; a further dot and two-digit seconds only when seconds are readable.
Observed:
3.21
